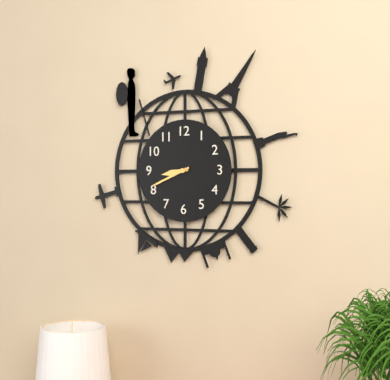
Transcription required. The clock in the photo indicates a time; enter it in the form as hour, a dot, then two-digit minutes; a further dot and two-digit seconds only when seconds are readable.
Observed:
8.41
